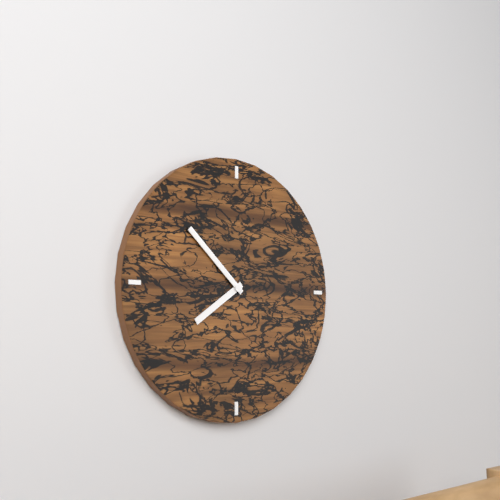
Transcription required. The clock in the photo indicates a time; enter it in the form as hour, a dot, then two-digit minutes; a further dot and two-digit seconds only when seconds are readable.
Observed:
7.52
